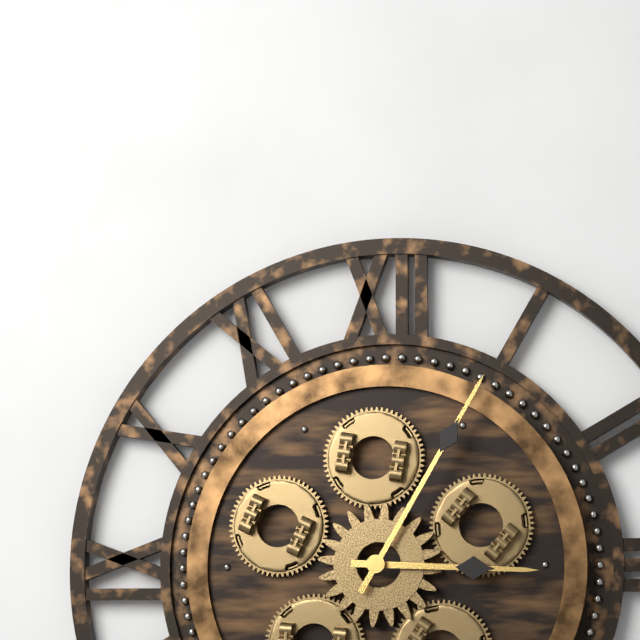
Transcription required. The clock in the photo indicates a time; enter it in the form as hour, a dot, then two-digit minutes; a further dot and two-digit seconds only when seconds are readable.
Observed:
3.05
